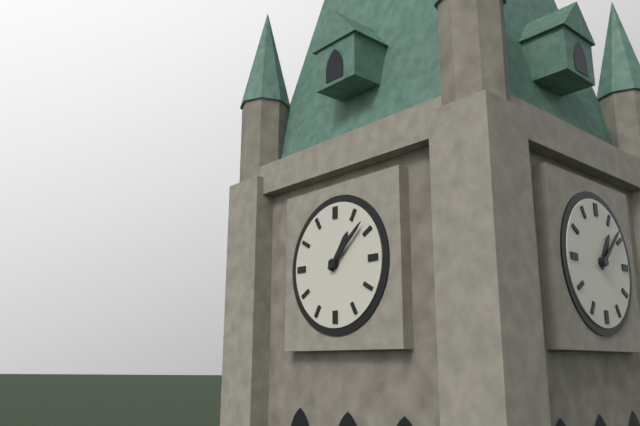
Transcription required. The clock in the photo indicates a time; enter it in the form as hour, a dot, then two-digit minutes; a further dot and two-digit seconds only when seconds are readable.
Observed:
1.08
